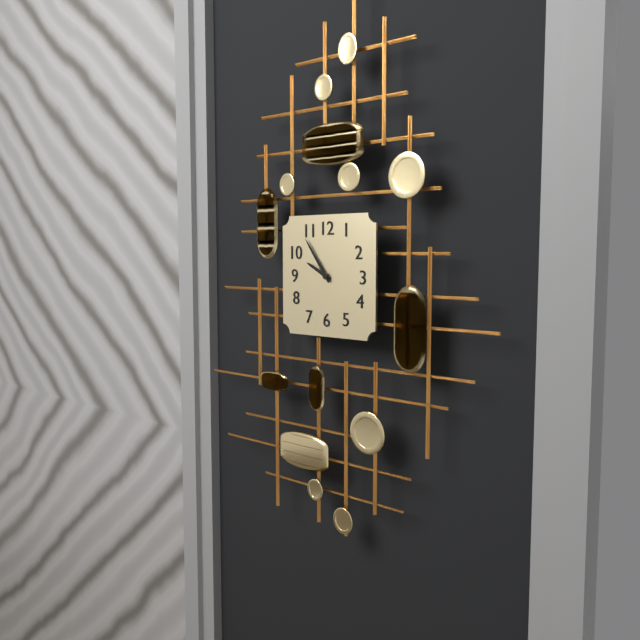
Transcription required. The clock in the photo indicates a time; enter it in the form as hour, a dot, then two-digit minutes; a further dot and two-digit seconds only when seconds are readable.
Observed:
9.54
